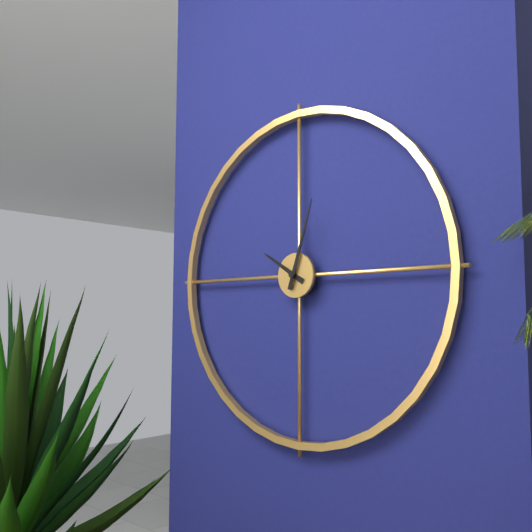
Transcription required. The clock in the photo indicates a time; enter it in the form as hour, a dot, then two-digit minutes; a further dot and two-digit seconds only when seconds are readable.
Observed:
10.03
